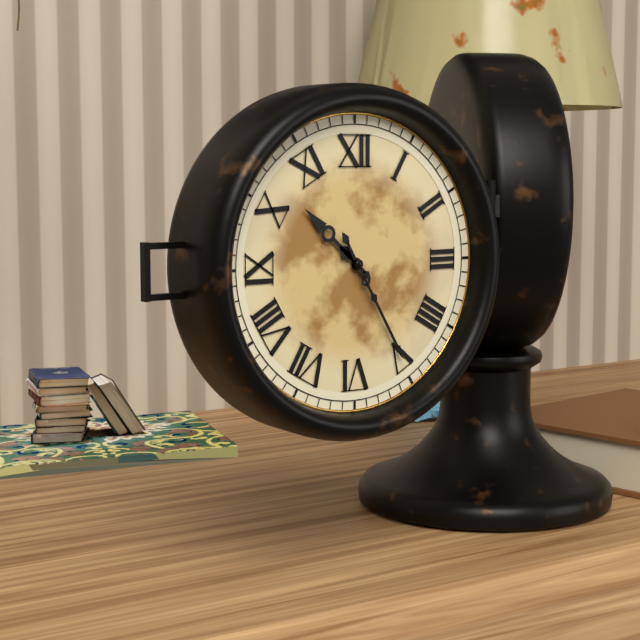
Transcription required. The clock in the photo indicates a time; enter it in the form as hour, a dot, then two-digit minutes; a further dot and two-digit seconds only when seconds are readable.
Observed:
10.25
